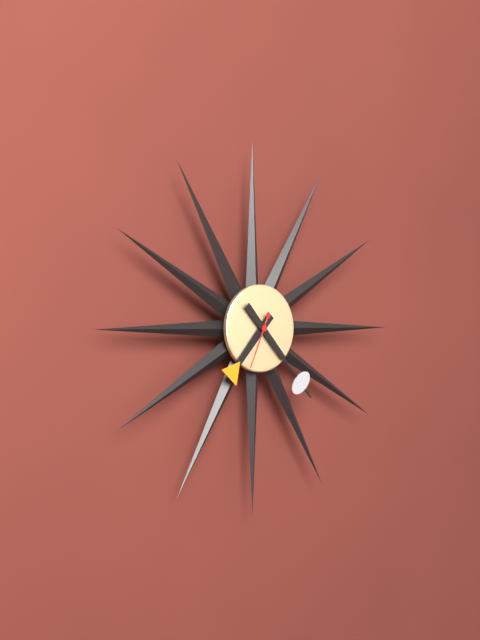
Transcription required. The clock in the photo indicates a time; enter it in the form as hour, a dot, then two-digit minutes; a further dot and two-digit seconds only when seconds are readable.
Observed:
7.23.34
